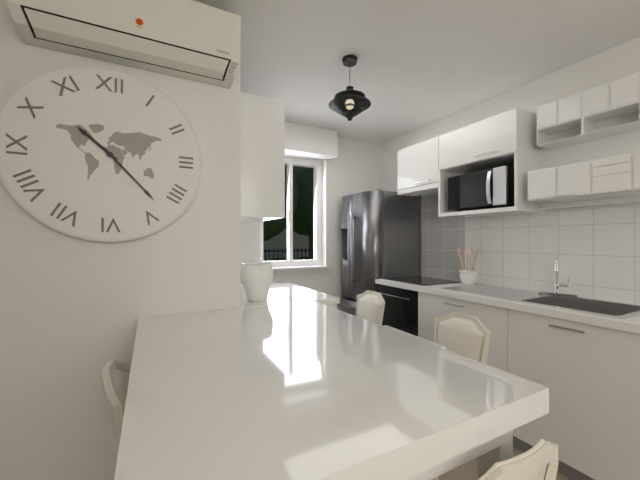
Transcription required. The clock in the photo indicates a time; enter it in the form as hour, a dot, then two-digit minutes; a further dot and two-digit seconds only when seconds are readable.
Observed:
10.23
